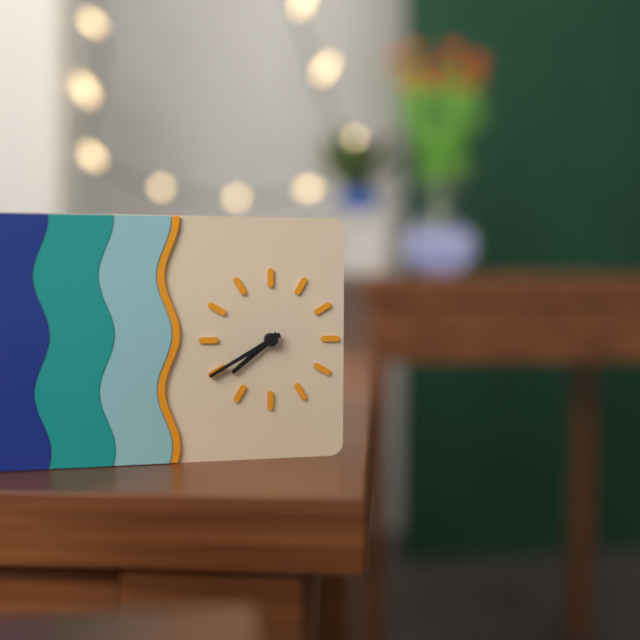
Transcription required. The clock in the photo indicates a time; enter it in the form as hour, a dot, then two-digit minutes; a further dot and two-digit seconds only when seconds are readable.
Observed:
7.40
